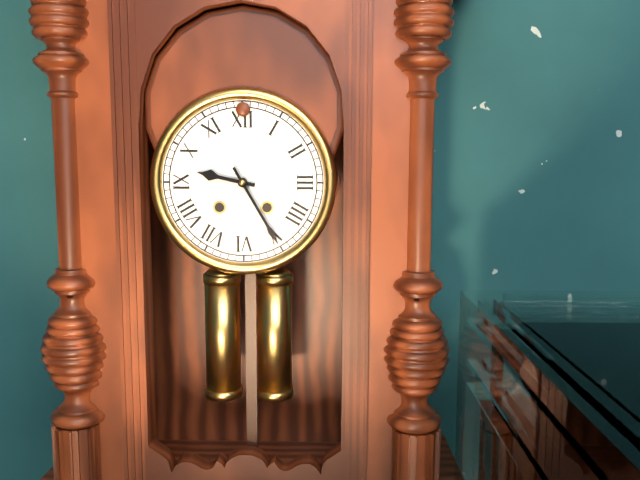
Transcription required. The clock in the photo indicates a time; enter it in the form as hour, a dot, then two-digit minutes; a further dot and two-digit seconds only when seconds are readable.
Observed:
9.25
